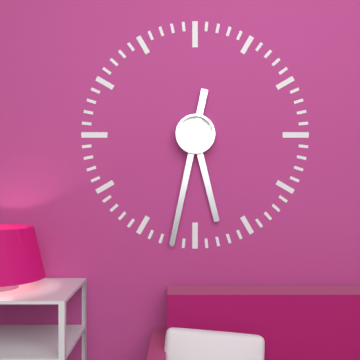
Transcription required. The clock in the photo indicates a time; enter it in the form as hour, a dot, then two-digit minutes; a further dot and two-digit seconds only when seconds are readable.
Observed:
5.32
